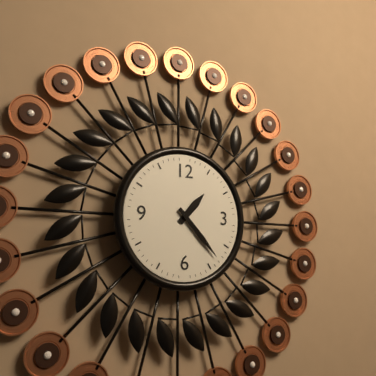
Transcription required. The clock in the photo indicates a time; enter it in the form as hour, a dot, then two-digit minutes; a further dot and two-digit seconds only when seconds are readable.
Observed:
1.23
